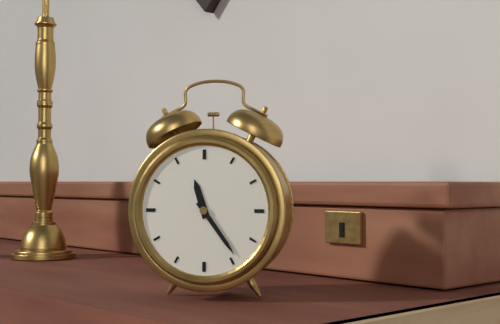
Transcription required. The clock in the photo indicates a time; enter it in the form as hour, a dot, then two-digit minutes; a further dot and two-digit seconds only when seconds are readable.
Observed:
11.24
